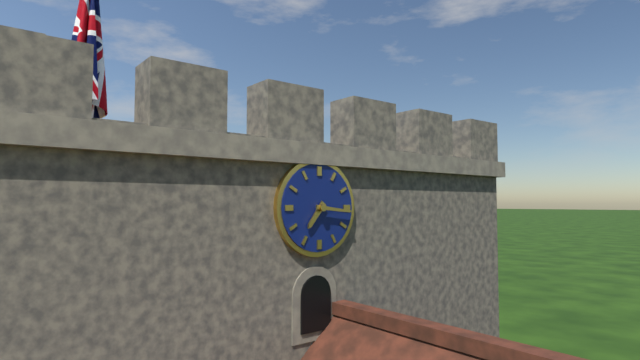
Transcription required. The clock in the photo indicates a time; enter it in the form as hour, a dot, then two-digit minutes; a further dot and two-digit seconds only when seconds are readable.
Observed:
7.16
